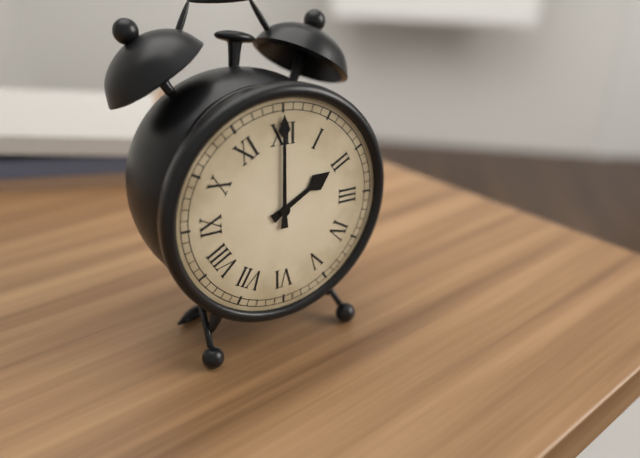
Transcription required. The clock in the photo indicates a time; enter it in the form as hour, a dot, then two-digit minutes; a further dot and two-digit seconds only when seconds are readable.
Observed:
2.00
